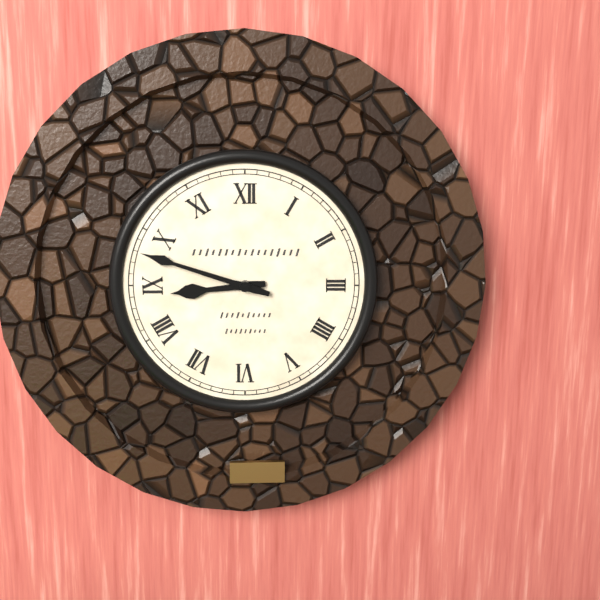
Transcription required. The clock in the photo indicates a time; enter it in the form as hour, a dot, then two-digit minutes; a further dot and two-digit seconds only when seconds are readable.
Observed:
8.48
